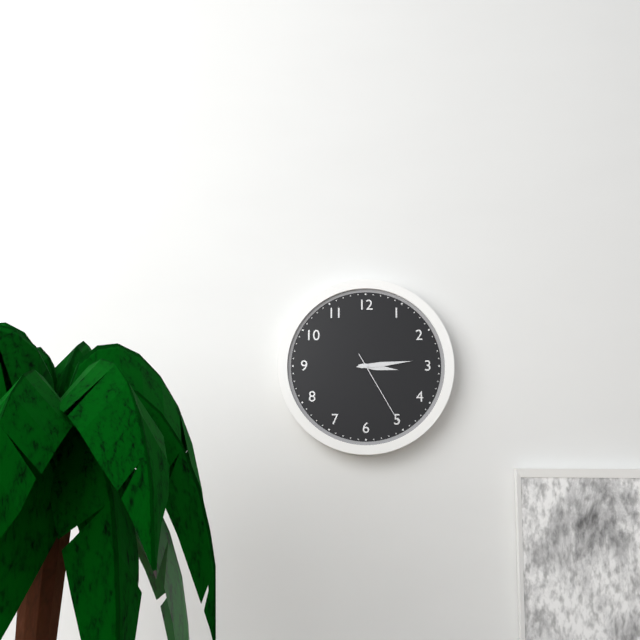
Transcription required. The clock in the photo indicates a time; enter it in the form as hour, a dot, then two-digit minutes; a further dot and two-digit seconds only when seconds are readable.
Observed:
3.14.25
